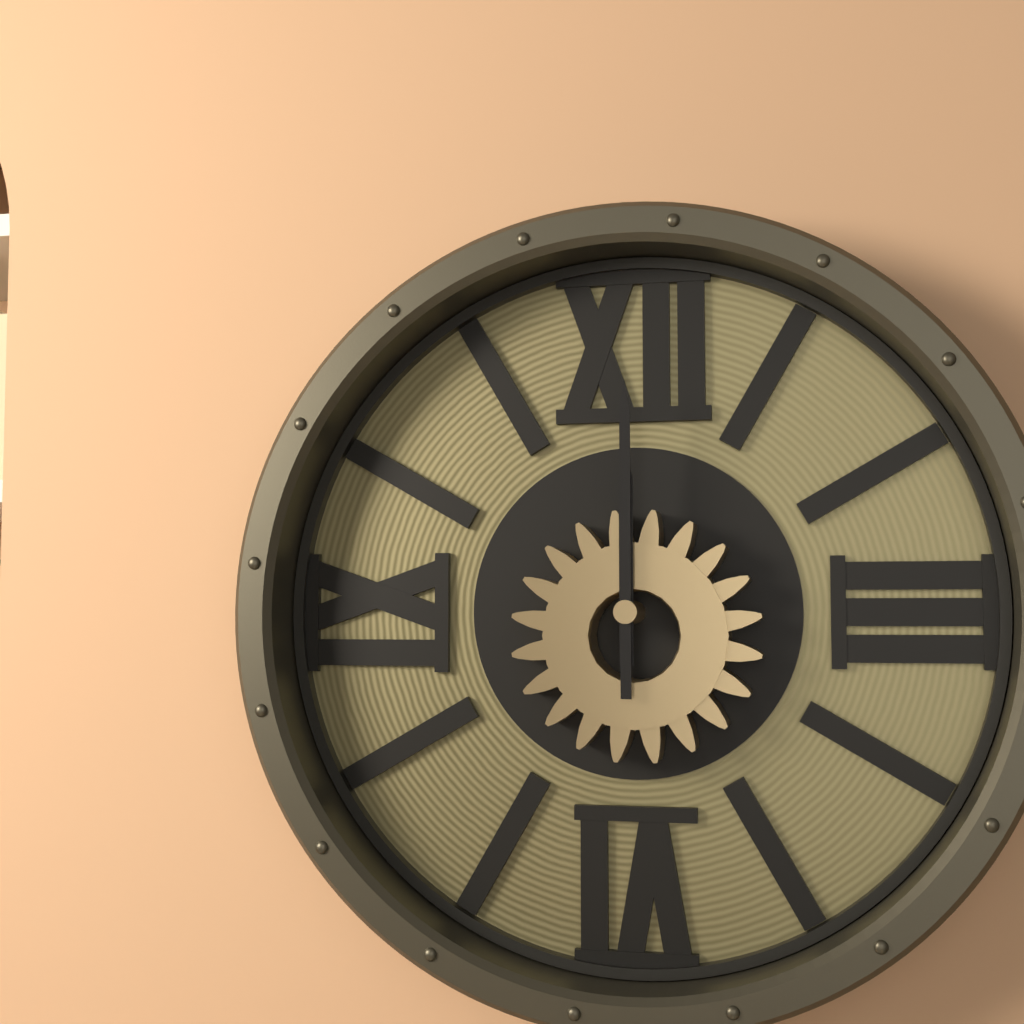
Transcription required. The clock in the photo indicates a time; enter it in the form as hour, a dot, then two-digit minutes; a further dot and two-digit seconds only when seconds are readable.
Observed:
12.00
